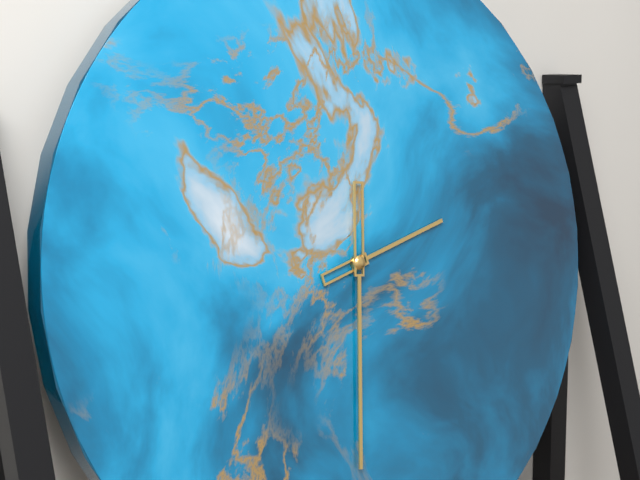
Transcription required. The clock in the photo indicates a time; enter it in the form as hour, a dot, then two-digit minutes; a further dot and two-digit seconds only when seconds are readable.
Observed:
2.31
